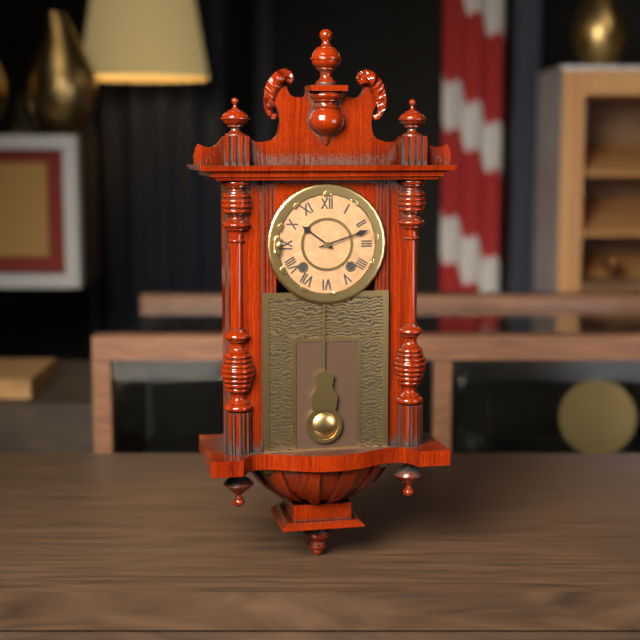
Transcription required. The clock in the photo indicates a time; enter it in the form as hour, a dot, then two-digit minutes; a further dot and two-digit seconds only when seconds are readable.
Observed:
10.12
